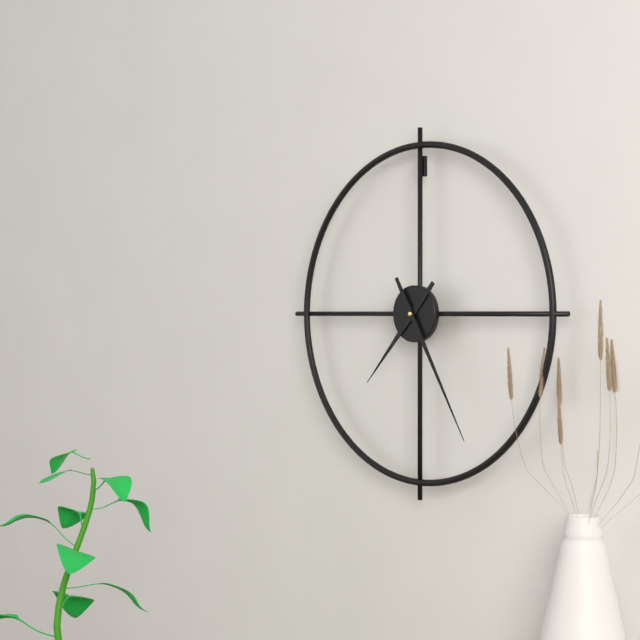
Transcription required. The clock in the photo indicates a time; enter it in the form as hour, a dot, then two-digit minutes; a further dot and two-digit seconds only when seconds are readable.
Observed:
7.25
